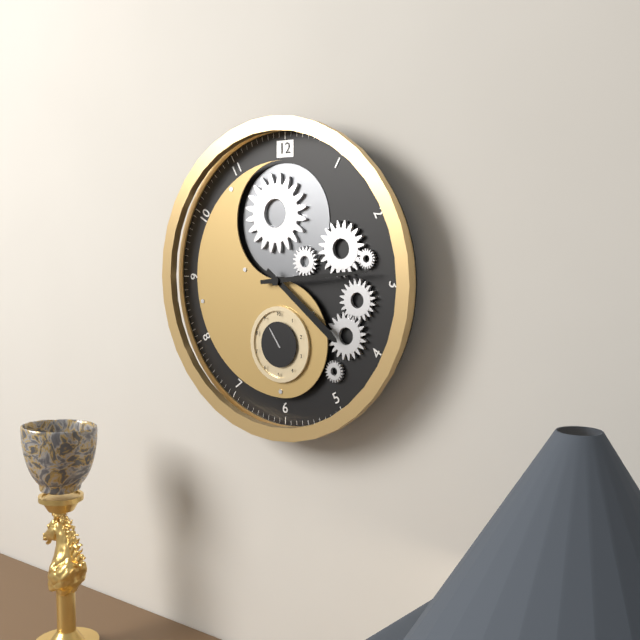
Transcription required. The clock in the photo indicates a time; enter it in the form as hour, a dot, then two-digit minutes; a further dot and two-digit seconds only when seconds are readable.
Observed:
4.14
